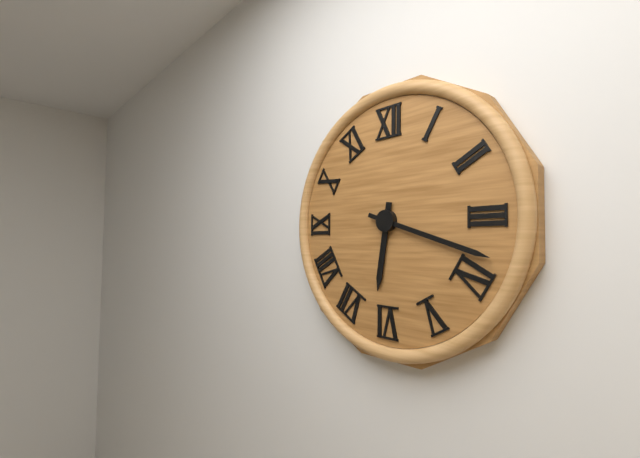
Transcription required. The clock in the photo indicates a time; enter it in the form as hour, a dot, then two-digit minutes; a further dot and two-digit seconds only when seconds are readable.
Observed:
6.18
